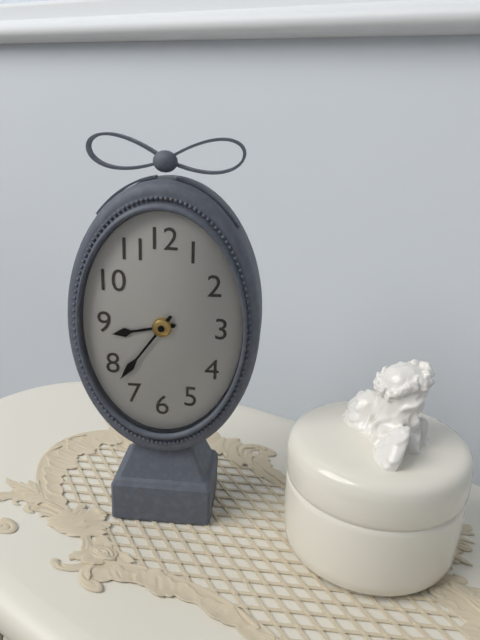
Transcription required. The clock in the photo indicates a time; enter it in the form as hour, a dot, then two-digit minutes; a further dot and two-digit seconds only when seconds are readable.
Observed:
8.36
